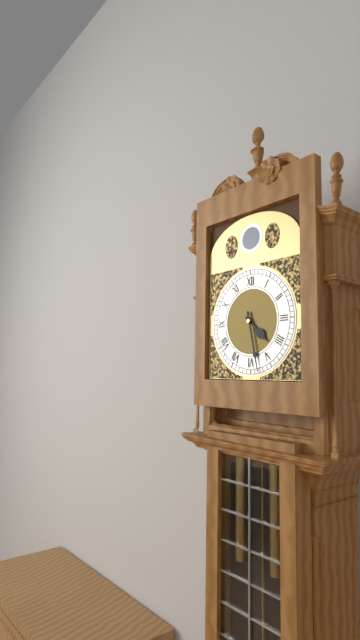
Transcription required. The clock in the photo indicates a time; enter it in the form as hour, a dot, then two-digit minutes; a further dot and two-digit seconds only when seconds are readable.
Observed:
4.28
